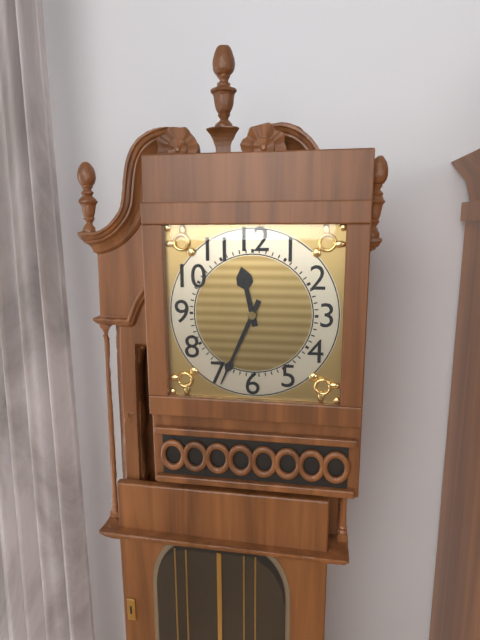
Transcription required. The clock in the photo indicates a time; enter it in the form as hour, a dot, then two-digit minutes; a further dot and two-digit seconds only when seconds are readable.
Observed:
11.34
